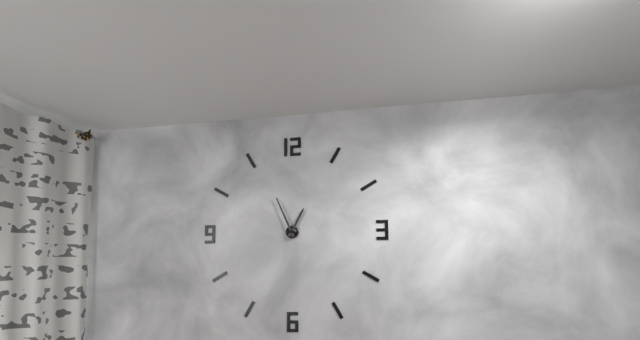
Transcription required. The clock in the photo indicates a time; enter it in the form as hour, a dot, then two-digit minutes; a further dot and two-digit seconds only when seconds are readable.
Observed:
12.56
